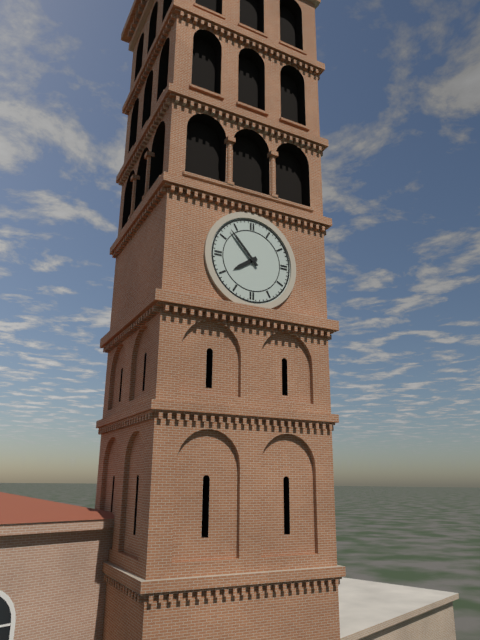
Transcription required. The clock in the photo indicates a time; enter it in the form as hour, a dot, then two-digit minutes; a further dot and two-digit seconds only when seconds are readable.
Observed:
7.53
